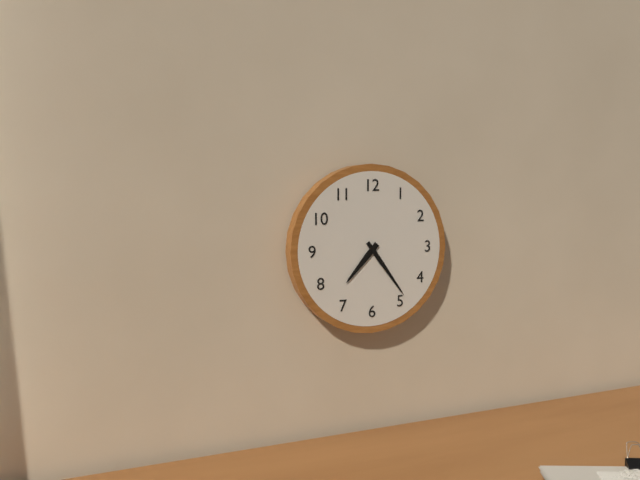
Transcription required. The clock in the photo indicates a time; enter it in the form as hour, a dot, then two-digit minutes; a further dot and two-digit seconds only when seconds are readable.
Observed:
7.24
